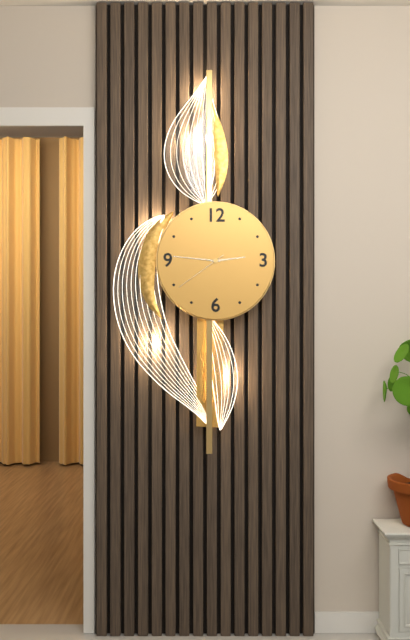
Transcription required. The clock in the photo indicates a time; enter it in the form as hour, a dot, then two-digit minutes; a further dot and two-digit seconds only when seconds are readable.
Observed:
2.46.39
